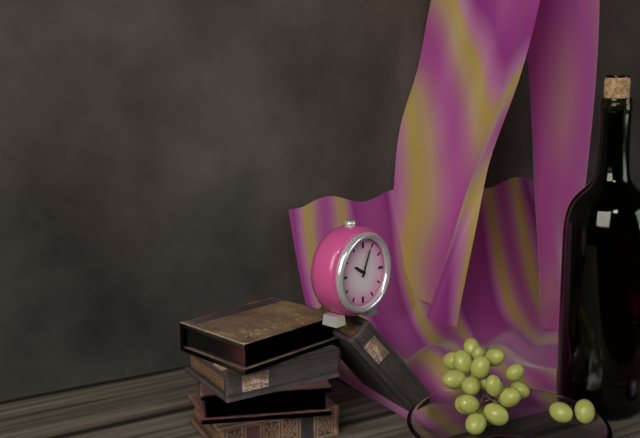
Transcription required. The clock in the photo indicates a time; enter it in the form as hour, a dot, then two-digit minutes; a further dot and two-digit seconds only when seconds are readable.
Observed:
10.04
